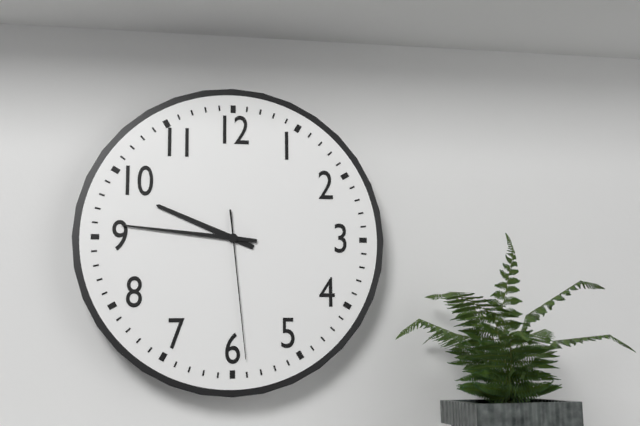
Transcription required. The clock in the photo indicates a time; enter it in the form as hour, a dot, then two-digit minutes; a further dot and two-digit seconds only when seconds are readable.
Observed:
9.46.29
